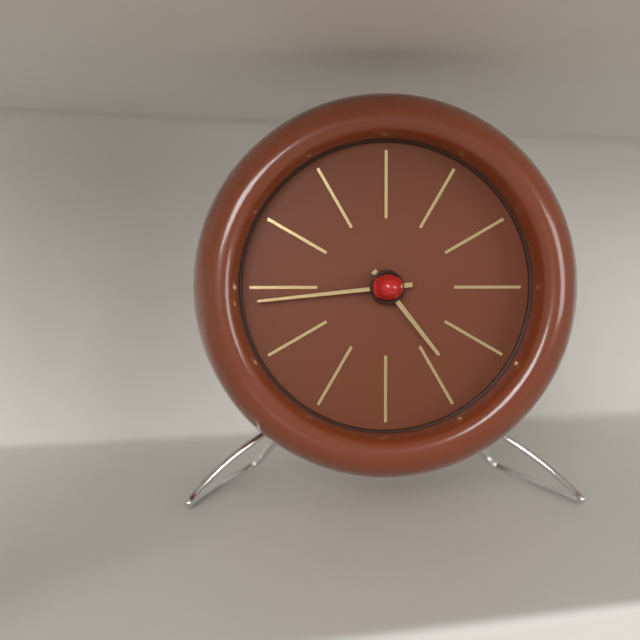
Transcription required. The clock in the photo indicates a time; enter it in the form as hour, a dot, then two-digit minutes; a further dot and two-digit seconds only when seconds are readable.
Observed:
4.44
